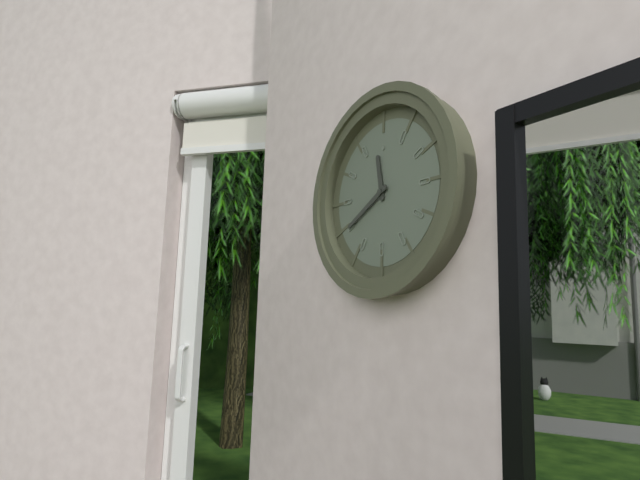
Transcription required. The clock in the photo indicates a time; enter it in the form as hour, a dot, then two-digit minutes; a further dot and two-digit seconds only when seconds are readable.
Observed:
11.40
